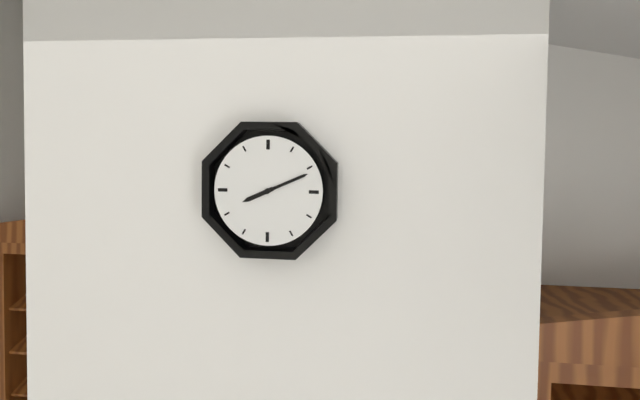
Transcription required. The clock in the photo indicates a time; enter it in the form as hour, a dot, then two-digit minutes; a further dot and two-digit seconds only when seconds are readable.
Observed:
8.11
